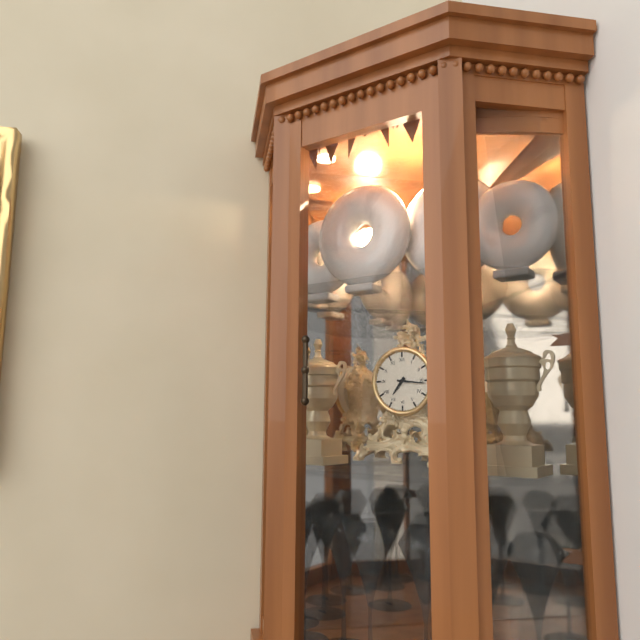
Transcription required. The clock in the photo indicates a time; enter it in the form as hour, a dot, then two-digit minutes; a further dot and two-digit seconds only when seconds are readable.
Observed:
7.16
